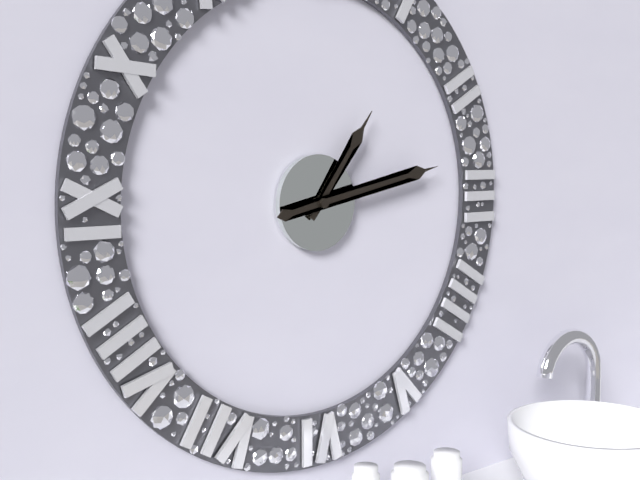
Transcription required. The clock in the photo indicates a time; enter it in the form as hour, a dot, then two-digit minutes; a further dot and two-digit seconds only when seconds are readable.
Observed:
1.13
